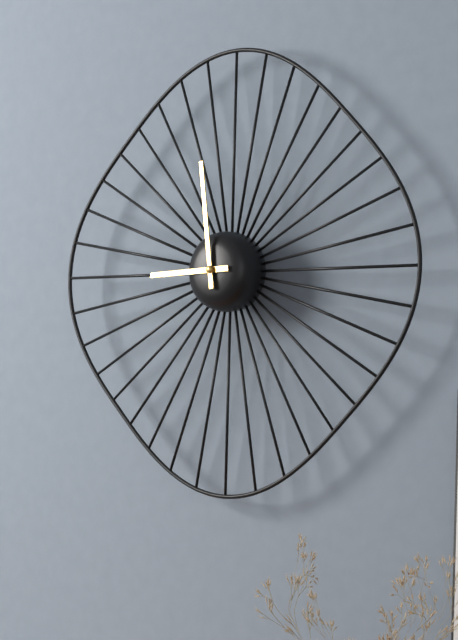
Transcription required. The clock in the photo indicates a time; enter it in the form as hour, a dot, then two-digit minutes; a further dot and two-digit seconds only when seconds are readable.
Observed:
8.59
